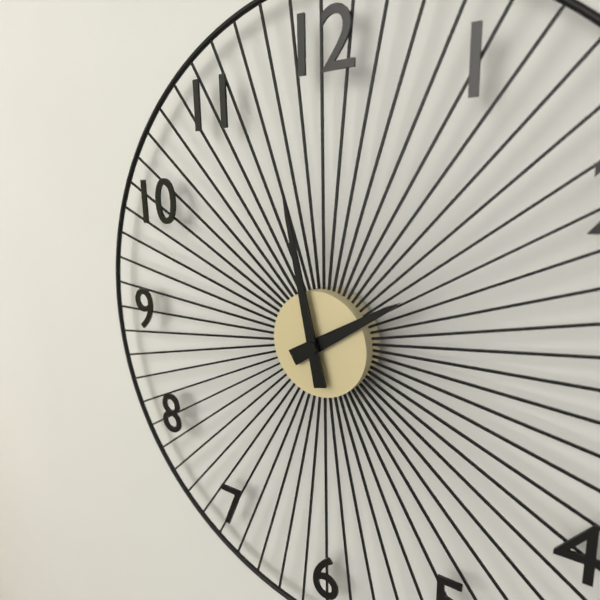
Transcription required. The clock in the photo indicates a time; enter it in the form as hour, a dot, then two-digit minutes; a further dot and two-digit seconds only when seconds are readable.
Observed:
1.58
